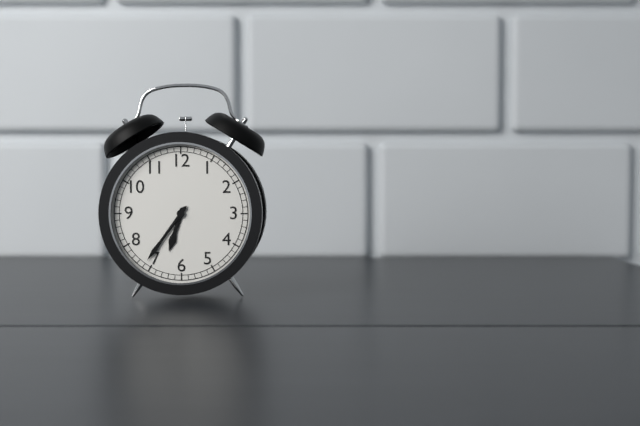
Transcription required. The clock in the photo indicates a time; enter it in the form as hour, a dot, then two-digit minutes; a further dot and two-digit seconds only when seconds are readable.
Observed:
6.36
